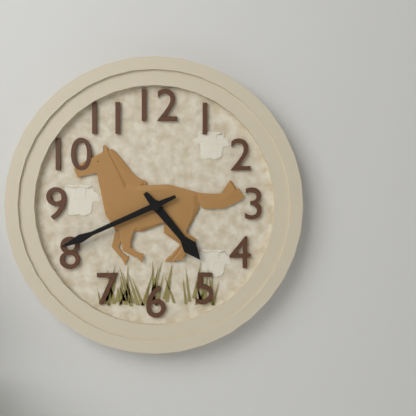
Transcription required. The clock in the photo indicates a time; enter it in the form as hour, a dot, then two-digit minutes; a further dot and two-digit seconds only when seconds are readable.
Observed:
4.41
